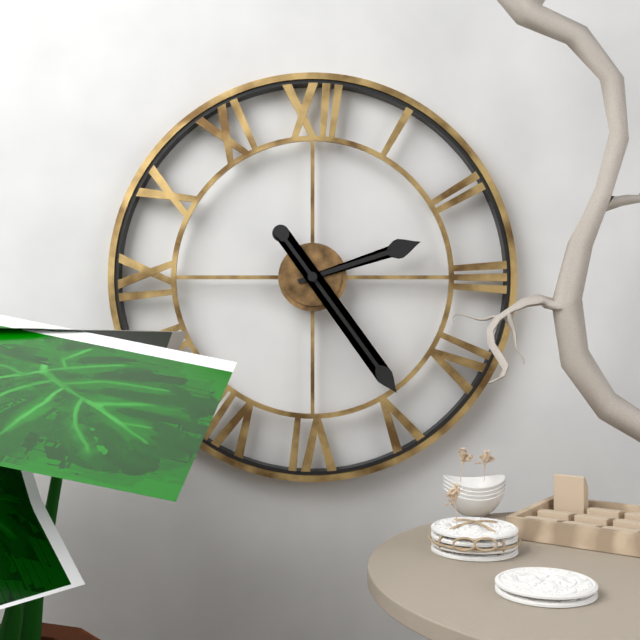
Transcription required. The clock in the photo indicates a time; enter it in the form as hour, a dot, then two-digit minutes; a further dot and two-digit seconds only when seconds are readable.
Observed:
2.24
